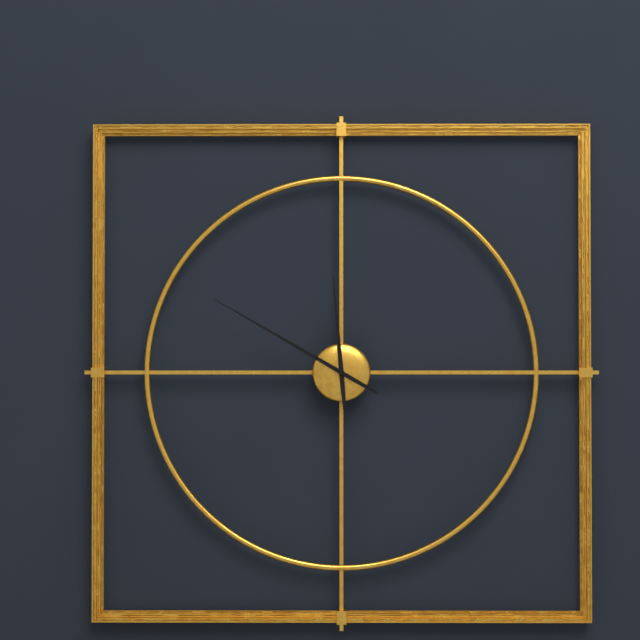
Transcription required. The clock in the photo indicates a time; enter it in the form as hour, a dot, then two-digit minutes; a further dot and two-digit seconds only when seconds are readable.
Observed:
11.50
